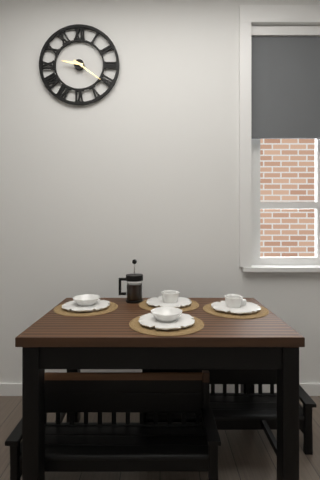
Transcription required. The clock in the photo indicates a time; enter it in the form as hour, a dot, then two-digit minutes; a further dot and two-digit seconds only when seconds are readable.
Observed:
9.21
